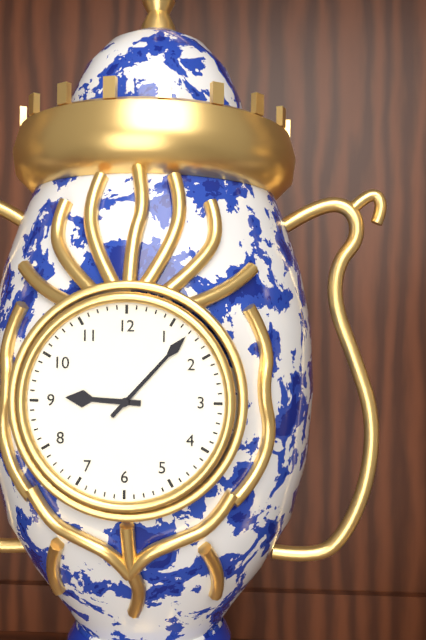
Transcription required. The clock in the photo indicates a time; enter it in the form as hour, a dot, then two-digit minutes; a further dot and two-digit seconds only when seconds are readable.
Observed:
9.07
